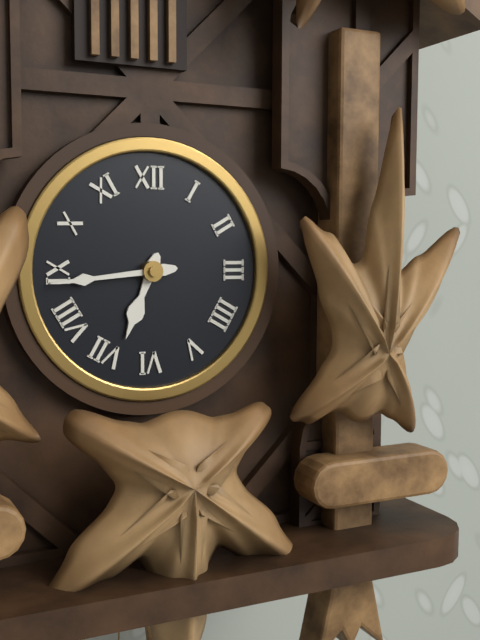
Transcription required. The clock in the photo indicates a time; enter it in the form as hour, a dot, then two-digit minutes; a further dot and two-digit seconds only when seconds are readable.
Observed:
6.44
